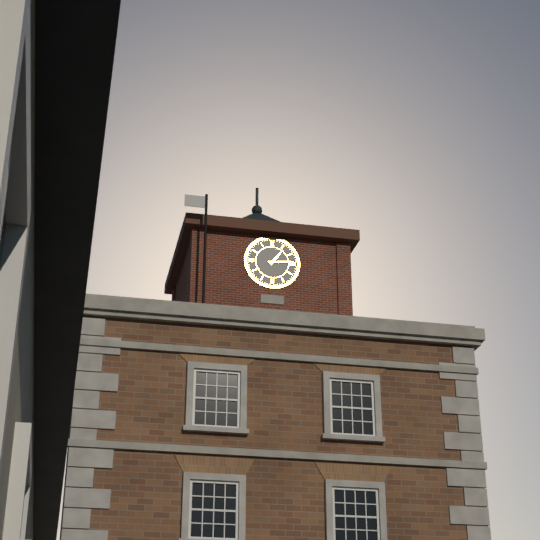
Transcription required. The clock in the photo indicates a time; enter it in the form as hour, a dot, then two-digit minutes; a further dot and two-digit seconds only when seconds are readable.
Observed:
1.14
